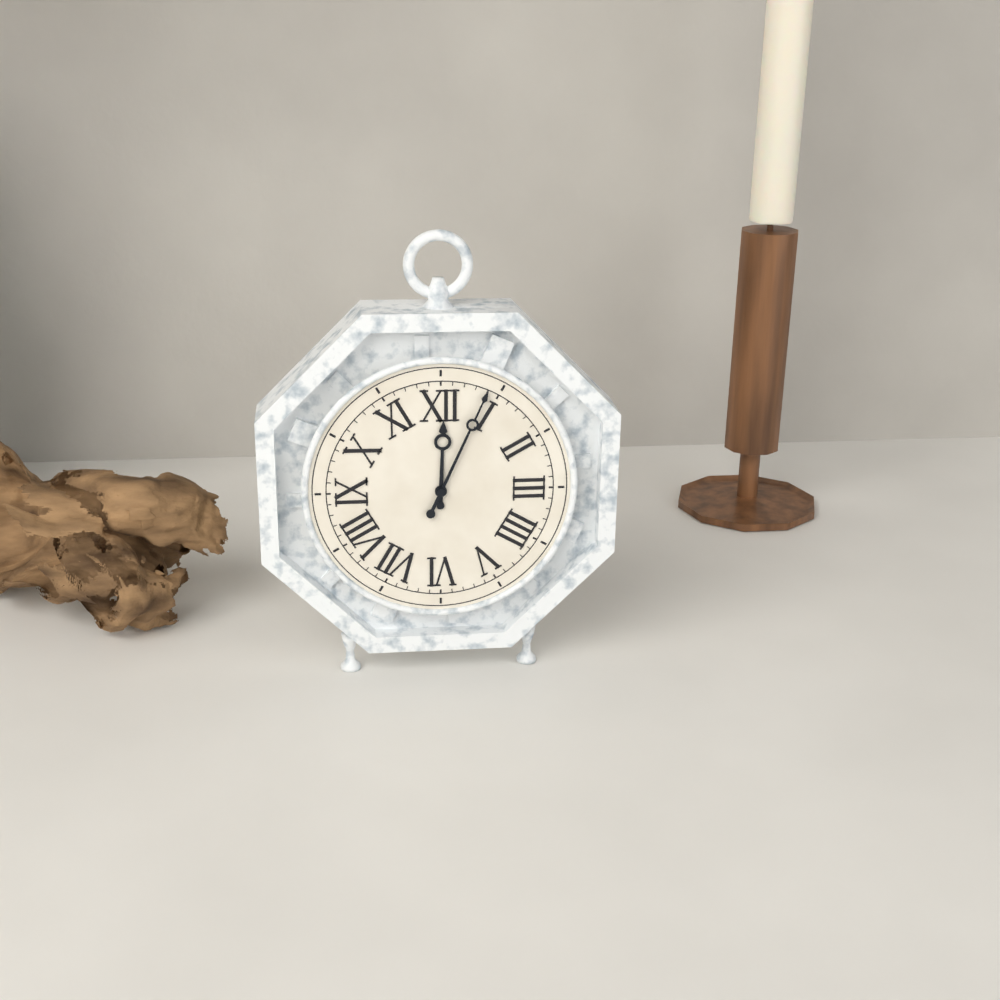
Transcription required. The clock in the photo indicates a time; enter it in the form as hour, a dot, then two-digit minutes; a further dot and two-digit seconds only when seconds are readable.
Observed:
12.04
